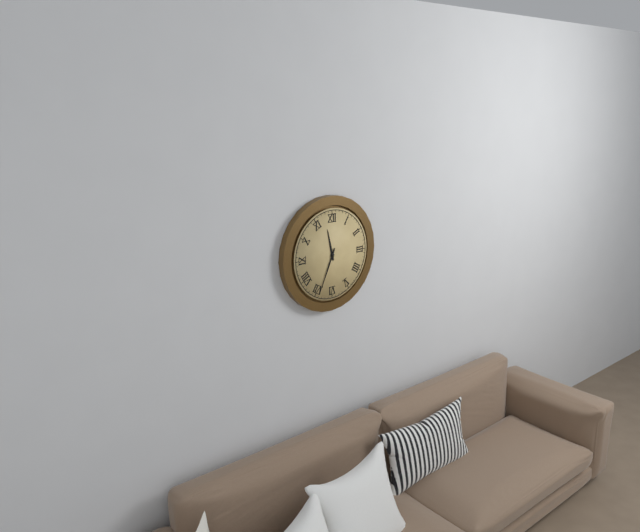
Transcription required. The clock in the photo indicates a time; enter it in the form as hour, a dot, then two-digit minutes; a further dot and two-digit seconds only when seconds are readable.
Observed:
11.34
